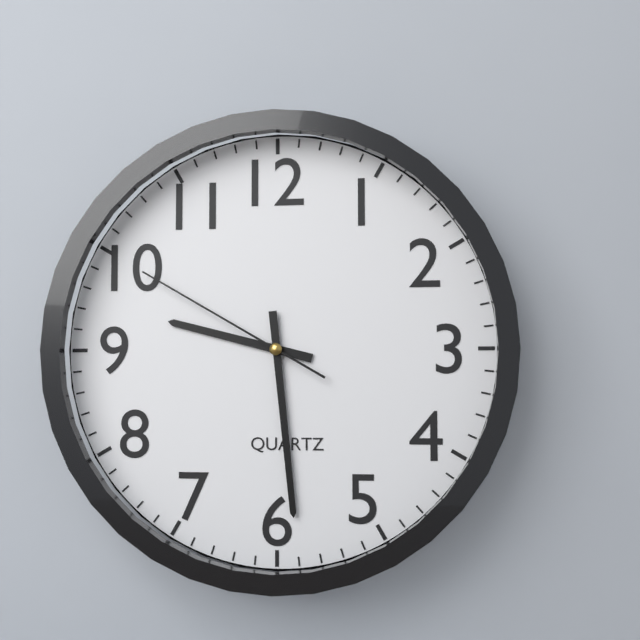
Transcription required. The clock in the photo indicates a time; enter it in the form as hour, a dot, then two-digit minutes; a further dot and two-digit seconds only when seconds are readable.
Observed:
9.29.50
